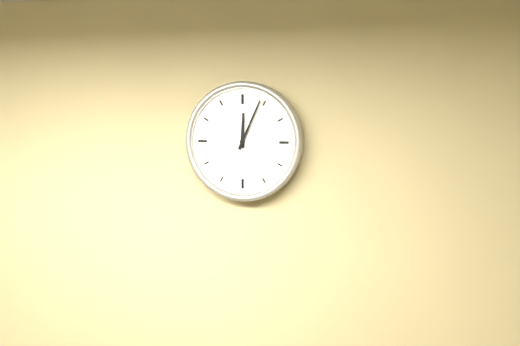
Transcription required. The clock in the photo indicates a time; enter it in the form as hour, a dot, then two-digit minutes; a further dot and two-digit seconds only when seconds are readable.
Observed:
12.04
